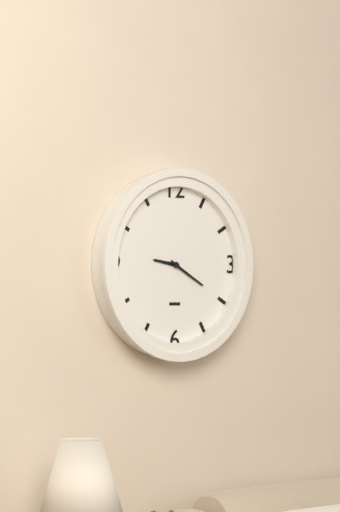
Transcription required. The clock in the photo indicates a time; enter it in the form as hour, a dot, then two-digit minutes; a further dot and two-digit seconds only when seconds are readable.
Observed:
9.20
